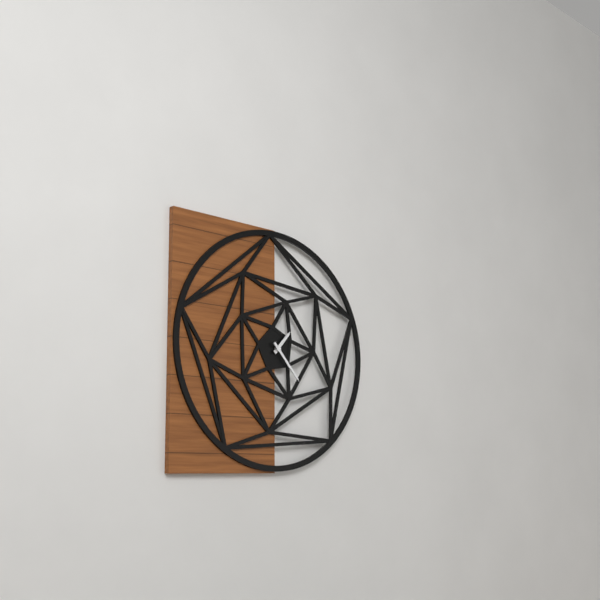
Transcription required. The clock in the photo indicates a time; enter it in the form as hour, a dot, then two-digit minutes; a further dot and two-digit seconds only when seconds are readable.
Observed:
1.23
